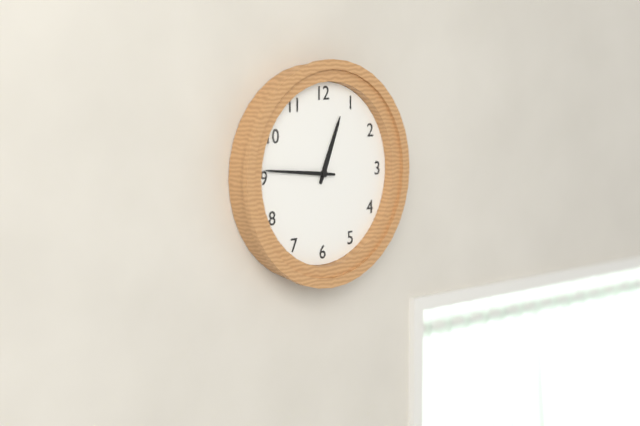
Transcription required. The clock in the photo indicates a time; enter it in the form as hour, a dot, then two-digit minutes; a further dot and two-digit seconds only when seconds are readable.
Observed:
12.46
